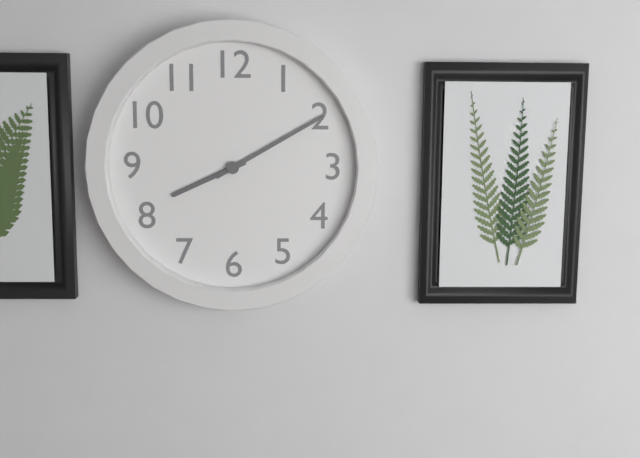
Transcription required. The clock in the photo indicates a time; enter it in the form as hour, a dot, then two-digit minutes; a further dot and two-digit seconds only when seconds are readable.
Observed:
8.10
